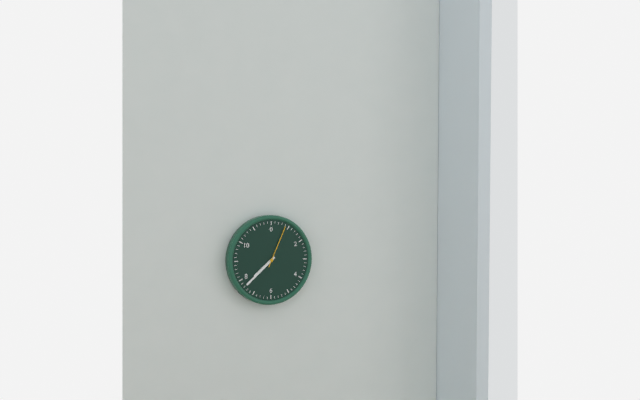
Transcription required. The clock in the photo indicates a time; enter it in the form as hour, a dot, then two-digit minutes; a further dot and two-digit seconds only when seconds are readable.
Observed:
7.38
